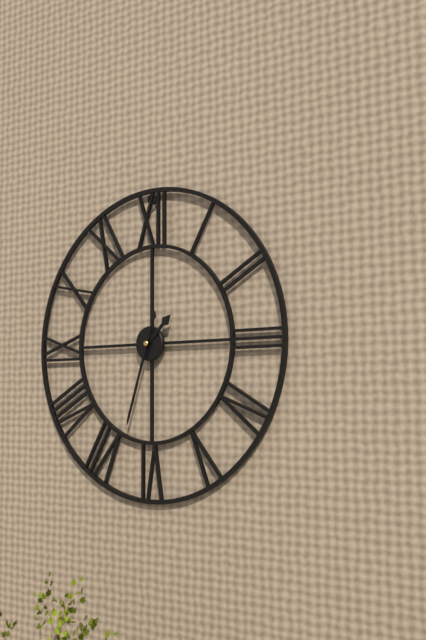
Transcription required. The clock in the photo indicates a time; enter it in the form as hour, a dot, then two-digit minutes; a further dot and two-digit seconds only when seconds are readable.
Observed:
1.33
